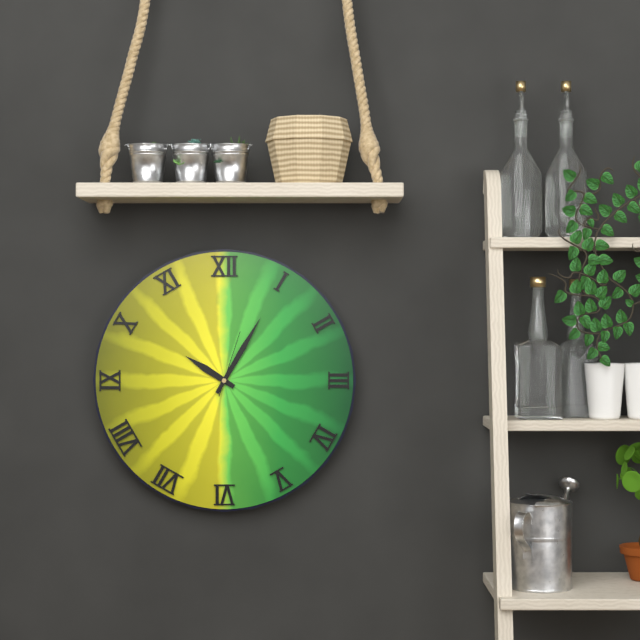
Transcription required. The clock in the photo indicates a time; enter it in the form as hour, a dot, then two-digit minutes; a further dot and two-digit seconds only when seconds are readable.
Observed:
10.05.03
